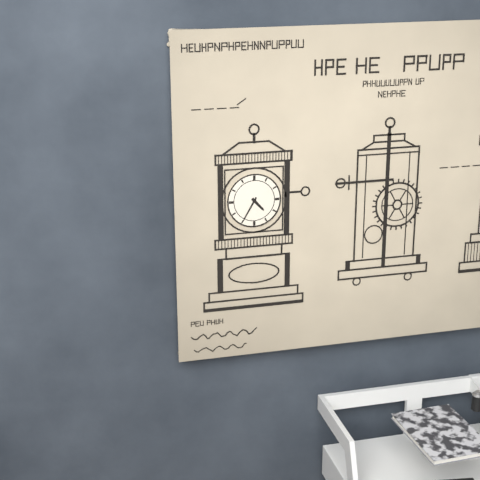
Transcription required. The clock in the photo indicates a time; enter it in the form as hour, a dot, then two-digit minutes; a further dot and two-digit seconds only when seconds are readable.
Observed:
4.35
